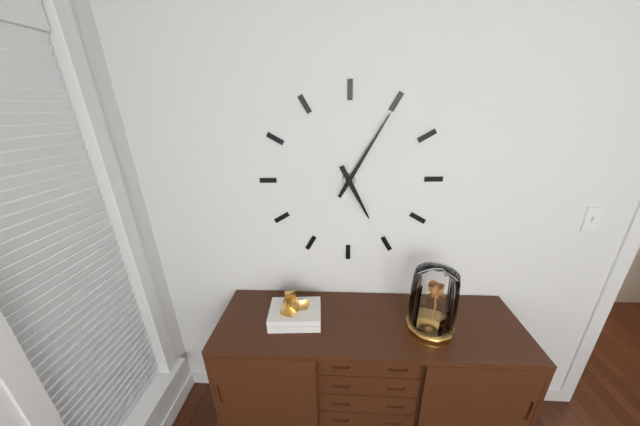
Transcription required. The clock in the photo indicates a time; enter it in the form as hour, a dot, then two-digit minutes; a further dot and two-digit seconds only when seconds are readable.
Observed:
5.05
